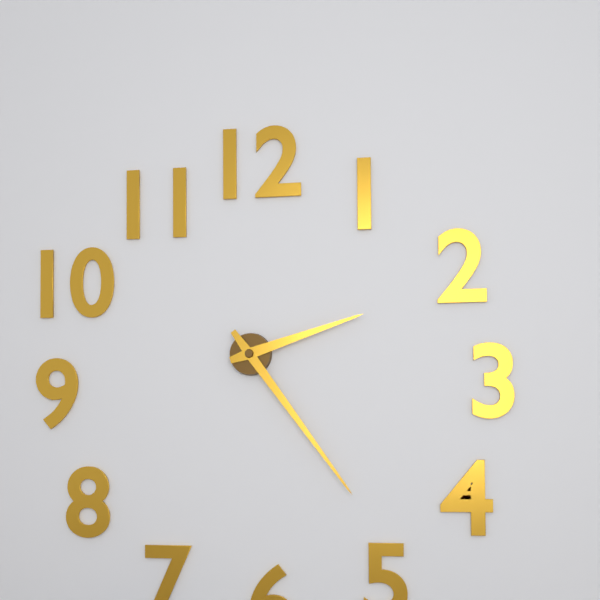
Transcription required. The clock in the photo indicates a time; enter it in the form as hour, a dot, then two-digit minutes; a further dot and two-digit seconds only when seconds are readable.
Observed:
2.24
